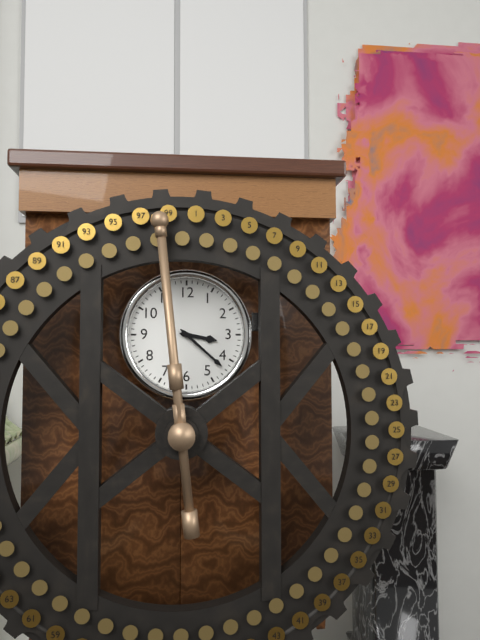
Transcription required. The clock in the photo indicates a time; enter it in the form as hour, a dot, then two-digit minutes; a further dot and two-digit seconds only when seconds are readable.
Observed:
3.22
